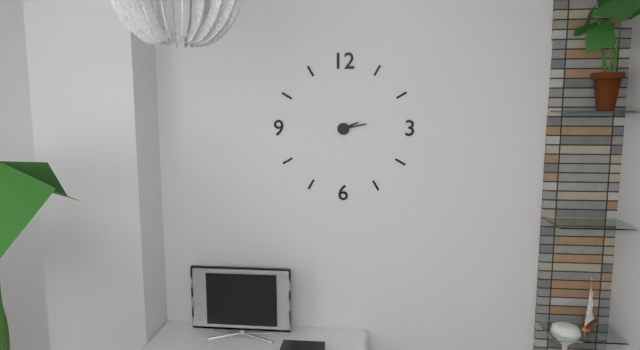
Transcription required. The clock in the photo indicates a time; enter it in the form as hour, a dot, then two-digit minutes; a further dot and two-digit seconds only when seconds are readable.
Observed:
2.13
